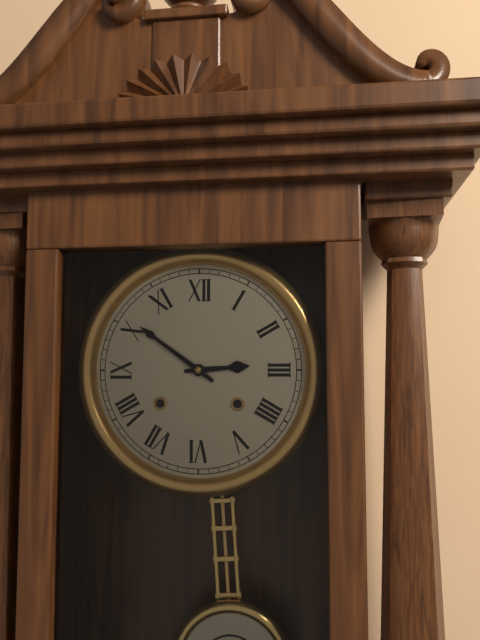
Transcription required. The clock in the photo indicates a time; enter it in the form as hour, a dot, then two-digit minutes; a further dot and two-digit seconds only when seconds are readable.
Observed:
2.51
